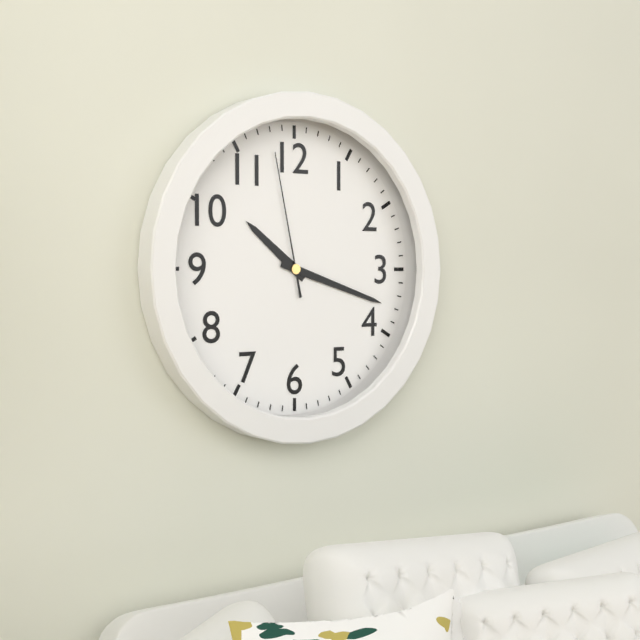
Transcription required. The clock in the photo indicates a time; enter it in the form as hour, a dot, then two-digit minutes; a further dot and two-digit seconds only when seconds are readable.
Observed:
10.18.58
